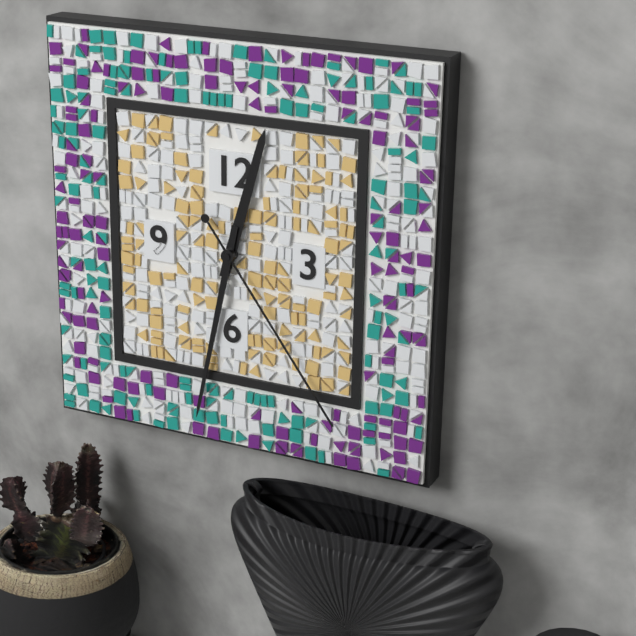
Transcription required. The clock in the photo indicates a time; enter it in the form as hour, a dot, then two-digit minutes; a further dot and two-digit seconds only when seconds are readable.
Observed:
12.32.24
